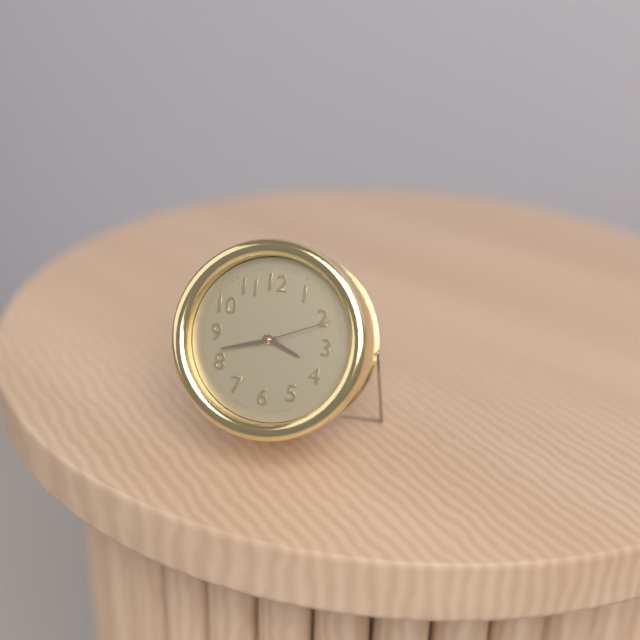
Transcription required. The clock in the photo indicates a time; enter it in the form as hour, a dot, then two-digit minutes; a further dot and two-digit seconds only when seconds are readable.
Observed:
3.42.11
